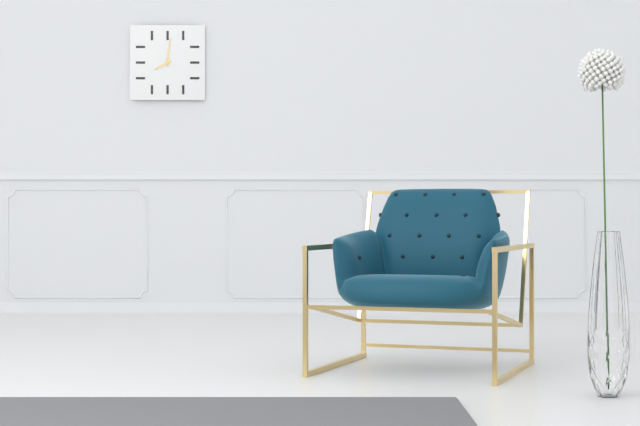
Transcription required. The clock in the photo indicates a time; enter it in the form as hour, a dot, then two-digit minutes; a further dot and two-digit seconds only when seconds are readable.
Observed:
8.01
